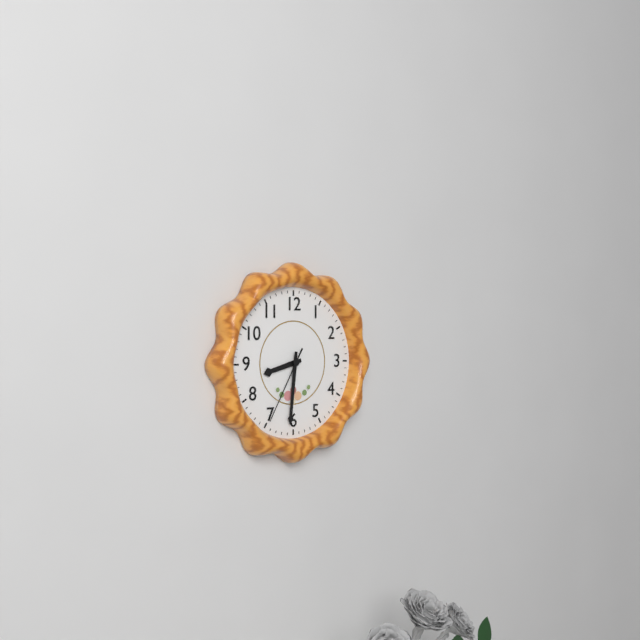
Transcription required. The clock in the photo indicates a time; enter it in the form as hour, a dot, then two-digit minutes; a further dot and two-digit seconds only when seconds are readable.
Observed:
8.31.35
